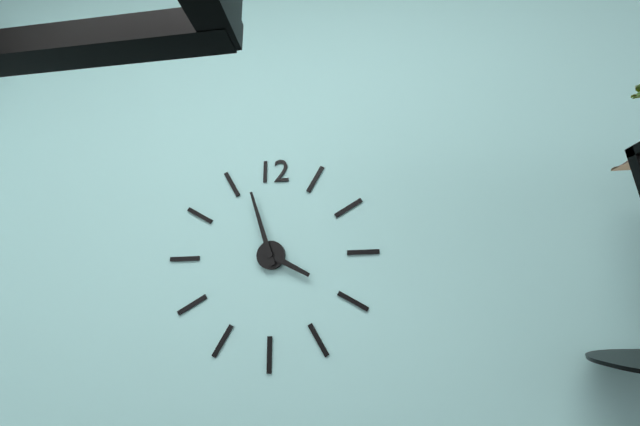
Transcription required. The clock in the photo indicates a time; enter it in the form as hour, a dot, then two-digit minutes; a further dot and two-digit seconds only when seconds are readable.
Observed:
3.57
